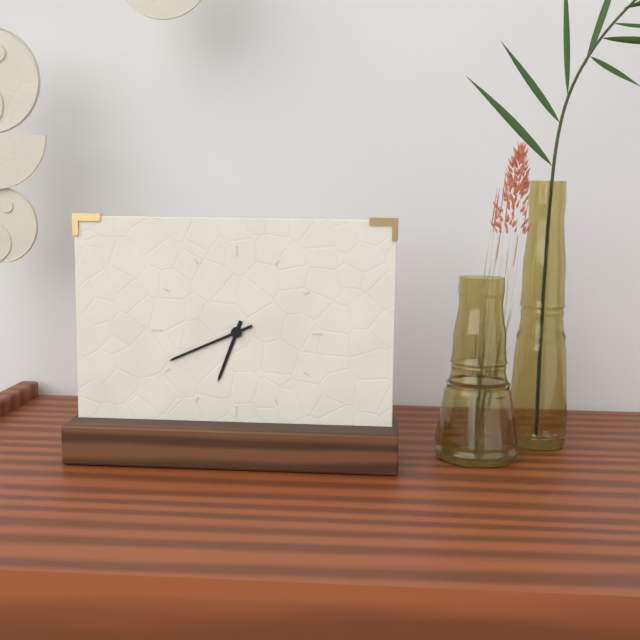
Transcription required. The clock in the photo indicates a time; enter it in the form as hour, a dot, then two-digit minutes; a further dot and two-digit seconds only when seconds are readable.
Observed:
6.41
